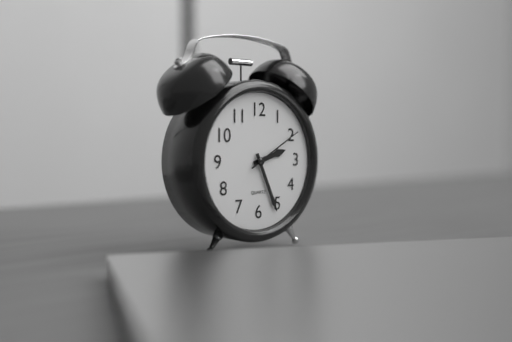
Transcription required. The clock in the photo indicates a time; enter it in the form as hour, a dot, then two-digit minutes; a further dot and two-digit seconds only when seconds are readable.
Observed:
2.26.10
